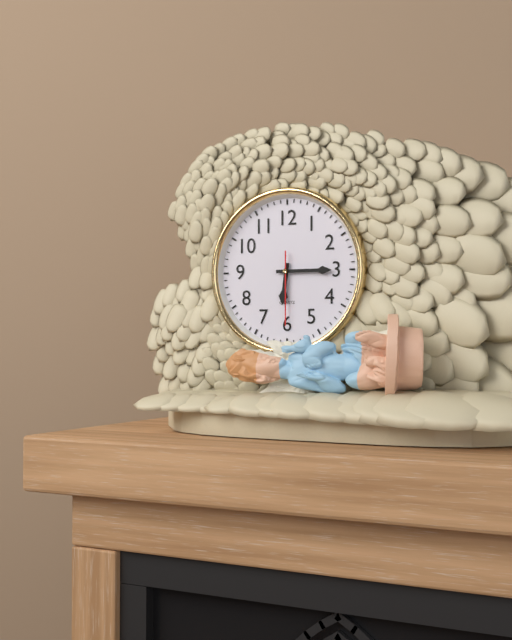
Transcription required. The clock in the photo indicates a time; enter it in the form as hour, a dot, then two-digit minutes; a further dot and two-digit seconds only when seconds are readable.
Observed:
6.15.30
